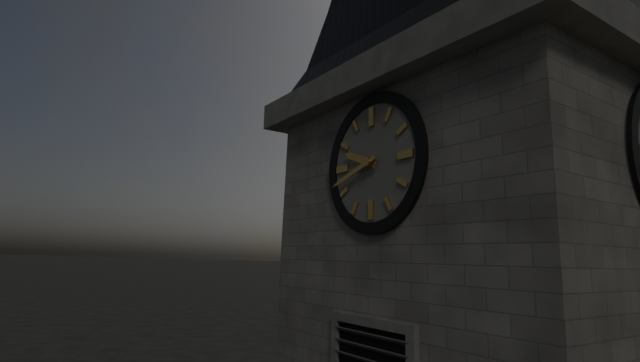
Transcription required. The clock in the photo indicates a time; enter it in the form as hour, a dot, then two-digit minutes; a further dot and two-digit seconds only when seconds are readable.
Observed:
9.42
